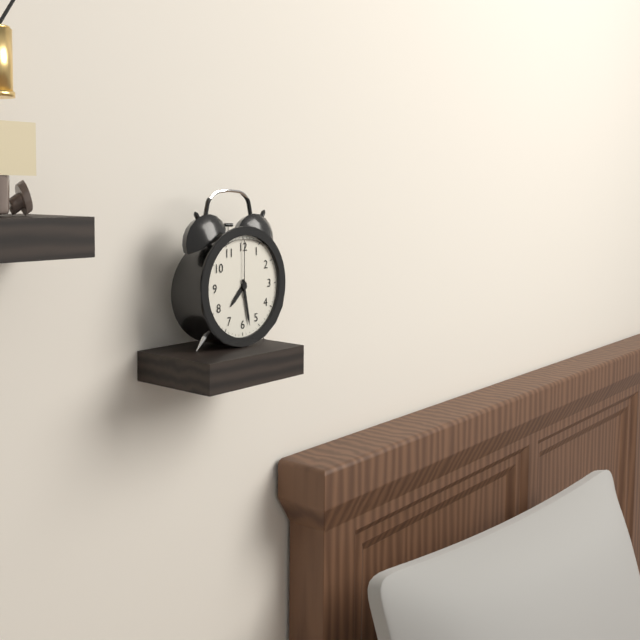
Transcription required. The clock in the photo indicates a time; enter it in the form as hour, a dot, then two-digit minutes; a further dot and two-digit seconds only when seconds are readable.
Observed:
7.28.00
